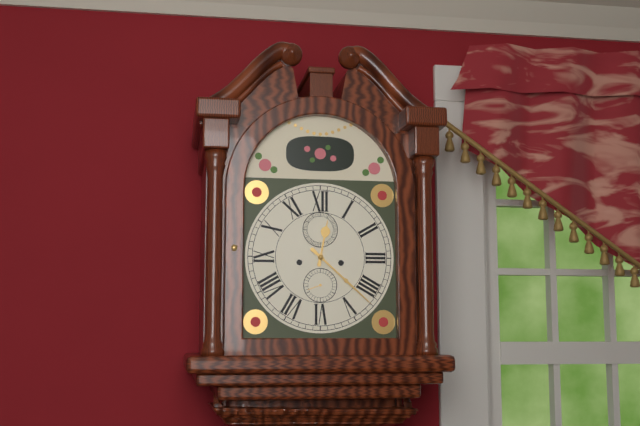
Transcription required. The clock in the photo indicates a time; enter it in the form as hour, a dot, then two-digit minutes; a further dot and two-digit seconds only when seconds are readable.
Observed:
12.22
